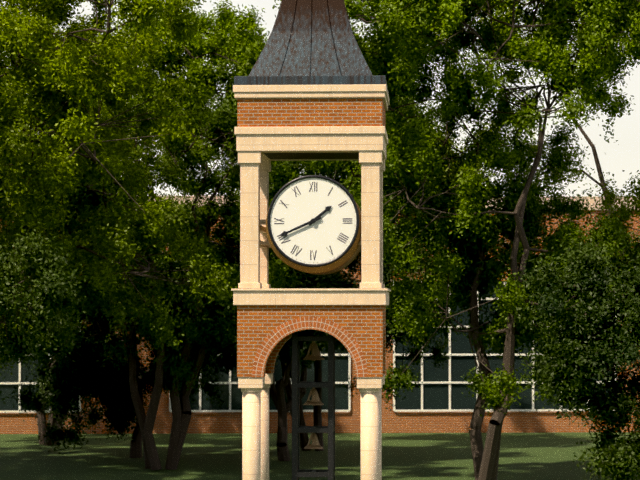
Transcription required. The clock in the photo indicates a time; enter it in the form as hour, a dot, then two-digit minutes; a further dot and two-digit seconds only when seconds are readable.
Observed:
1.41
